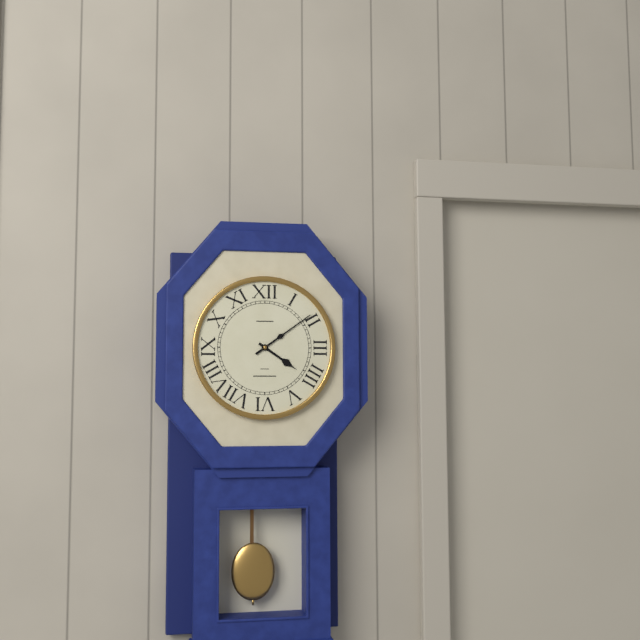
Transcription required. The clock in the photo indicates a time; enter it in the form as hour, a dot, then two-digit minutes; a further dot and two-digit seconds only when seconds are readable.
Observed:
4.09
